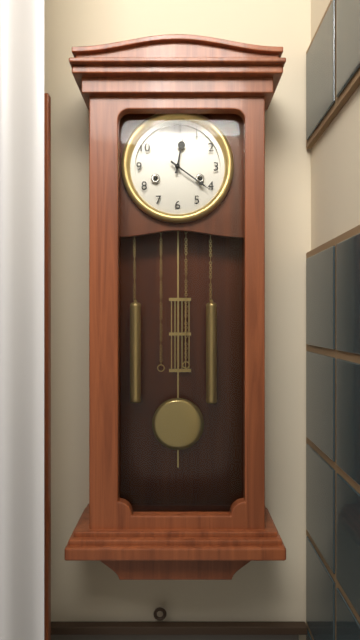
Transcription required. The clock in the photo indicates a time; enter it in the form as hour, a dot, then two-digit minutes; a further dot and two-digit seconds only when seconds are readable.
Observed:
12.21
